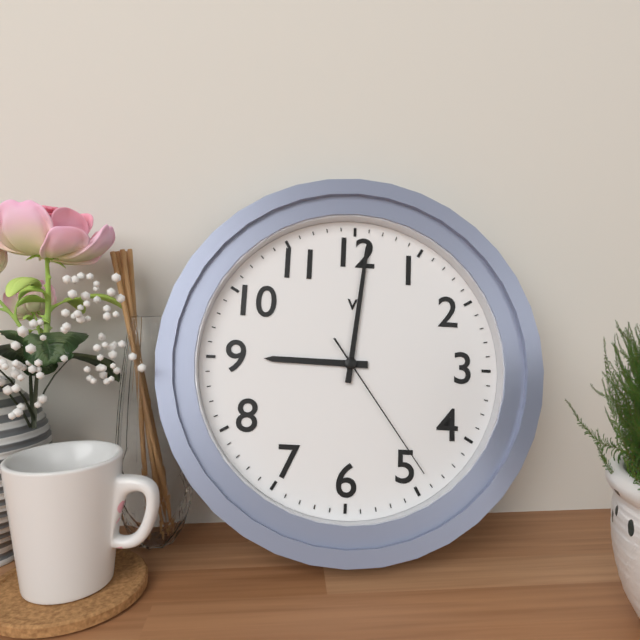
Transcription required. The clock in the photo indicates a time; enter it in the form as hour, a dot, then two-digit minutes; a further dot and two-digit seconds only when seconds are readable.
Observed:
9.01.24
